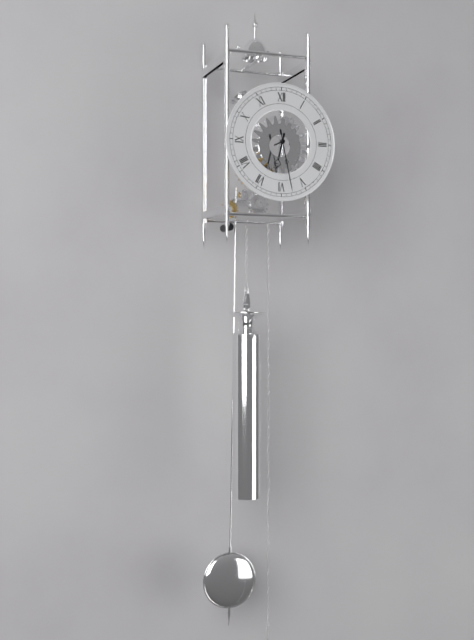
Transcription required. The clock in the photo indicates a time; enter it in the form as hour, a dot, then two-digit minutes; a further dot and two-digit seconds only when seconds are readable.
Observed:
6.28
